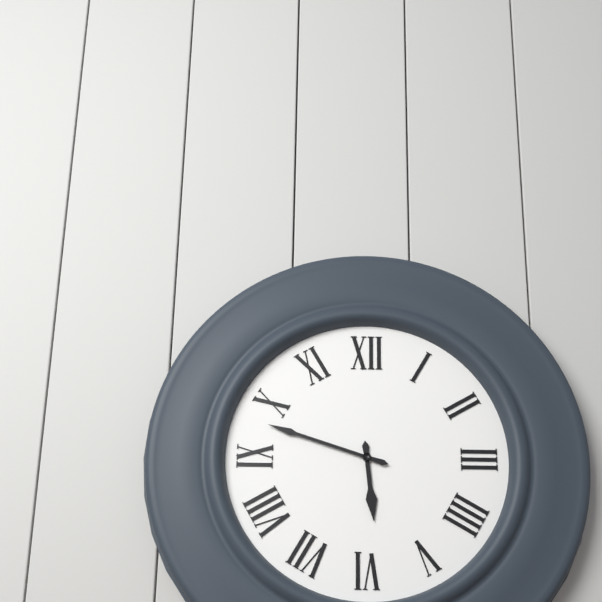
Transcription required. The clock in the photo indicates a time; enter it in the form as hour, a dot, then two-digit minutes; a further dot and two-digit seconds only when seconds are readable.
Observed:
5.48
